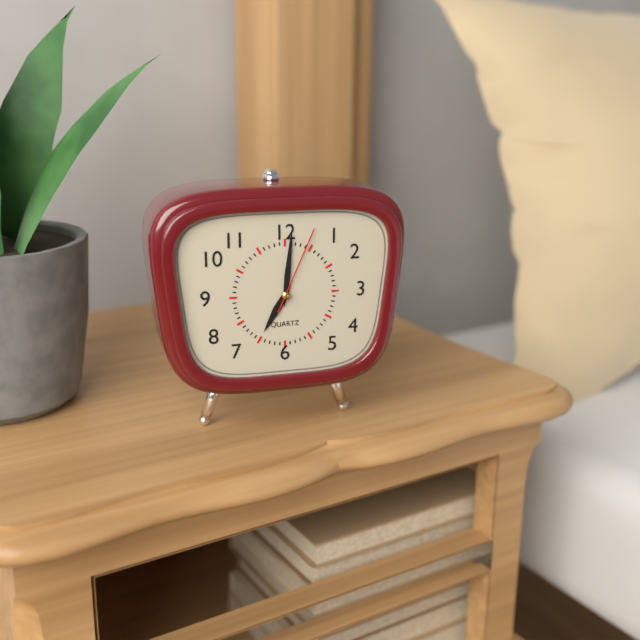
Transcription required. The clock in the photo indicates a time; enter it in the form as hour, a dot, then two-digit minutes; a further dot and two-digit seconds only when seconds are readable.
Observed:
7.01.04
